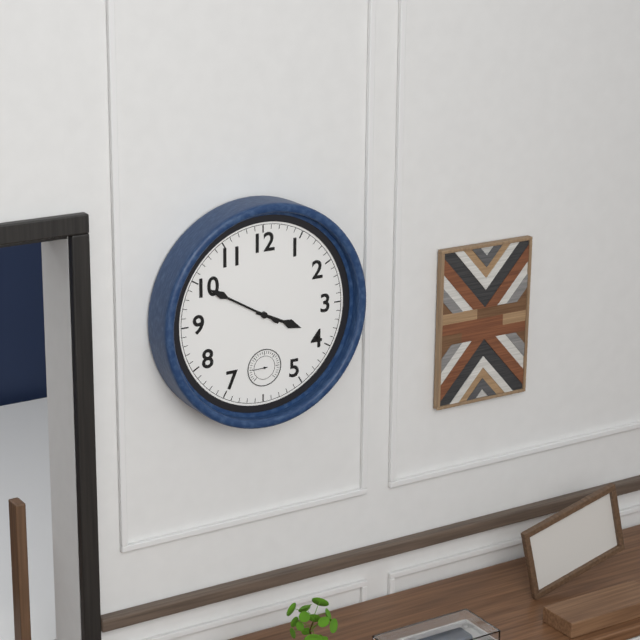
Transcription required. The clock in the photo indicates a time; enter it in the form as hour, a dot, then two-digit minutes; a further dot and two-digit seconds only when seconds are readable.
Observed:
3.50
